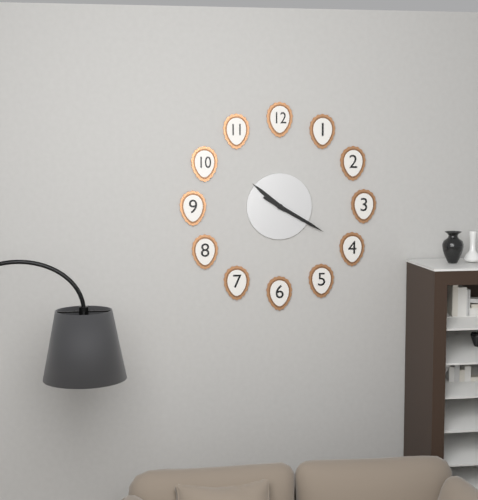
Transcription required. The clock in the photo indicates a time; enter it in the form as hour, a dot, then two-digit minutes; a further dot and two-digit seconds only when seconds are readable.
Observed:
10.20
